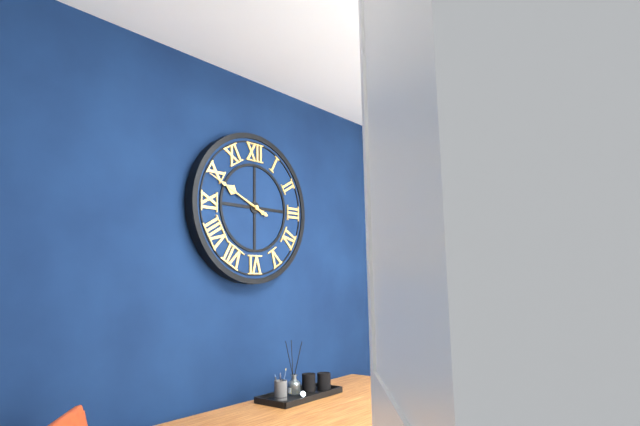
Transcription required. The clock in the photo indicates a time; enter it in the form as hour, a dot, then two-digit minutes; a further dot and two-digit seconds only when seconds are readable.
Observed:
9.49
